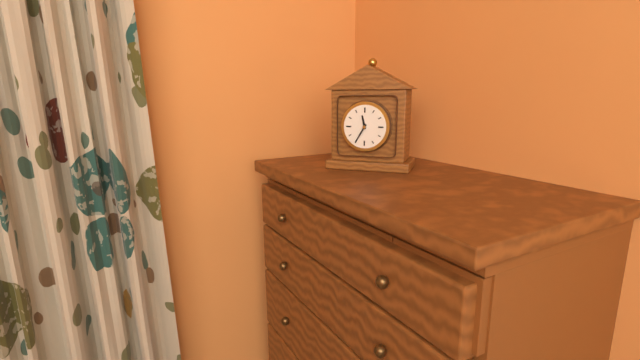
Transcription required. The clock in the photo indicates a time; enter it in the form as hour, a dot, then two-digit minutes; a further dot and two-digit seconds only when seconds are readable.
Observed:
11.35
